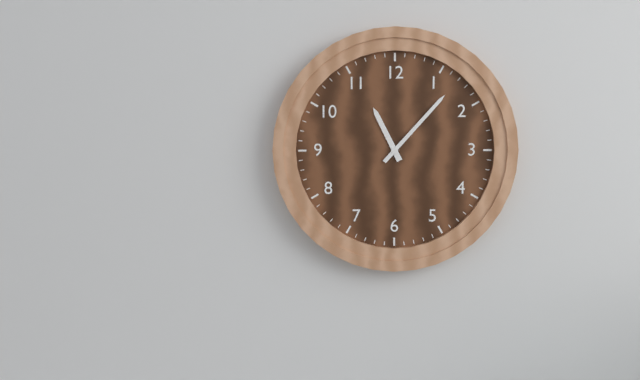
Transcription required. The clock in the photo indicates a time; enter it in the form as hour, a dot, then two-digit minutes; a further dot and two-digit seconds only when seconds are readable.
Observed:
11.07
